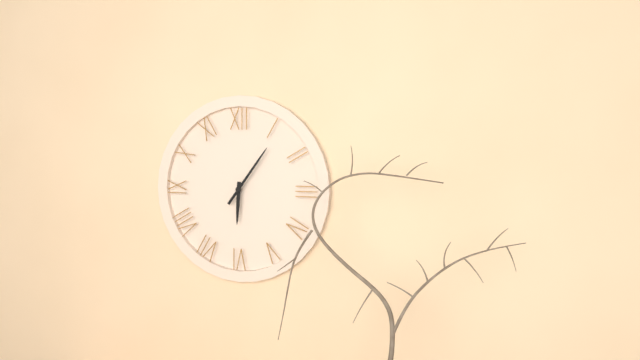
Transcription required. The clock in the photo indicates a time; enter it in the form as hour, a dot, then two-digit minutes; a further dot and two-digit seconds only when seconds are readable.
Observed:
6.06
